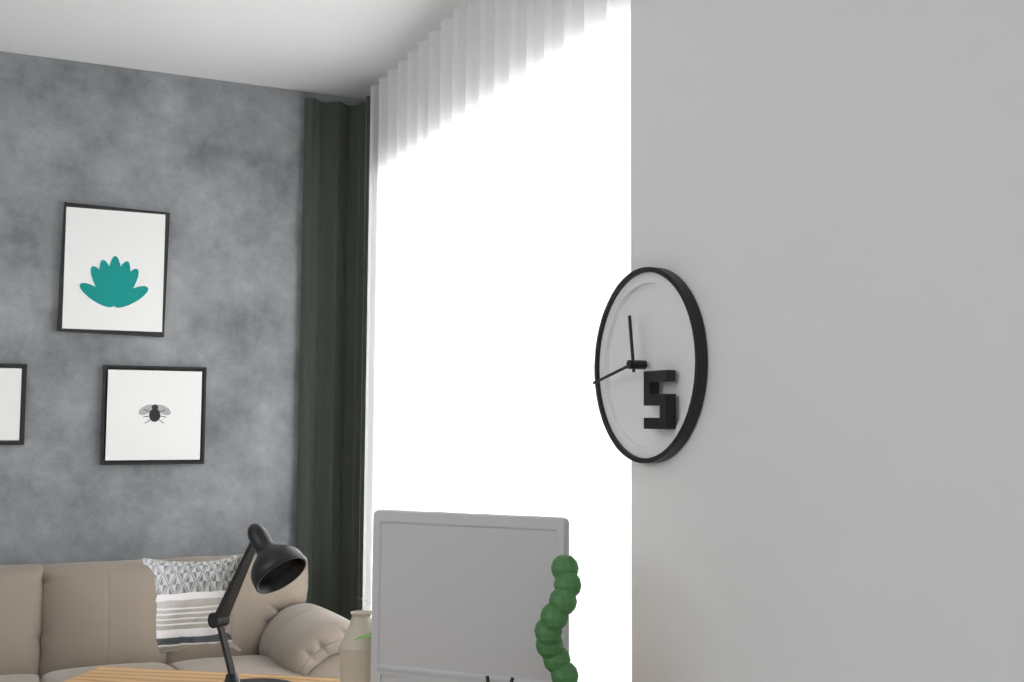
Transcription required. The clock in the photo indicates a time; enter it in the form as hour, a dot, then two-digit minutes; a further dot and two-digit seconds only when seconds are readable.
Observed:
11.43
